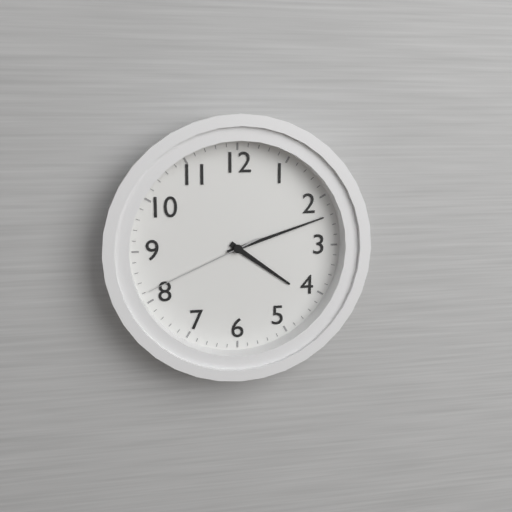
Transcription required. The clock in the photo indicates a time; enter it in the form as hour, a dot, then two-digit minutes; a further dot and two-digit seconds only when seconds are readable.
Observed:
4.12.41
